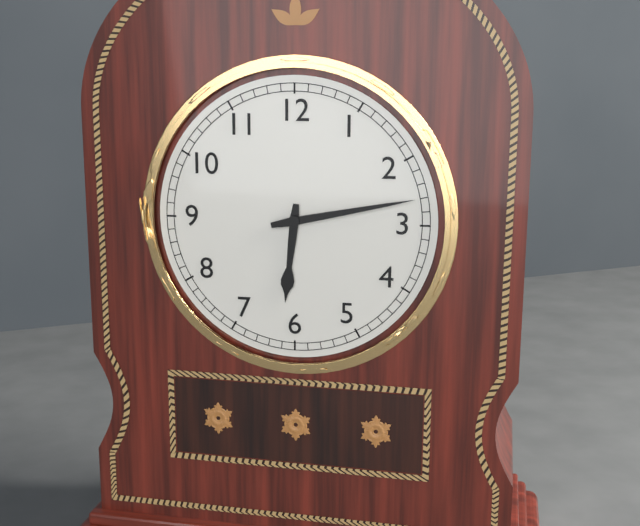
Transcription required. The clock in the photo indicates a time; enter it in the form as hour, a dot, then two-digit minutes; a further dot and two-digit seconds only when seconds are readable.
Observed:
6.13
